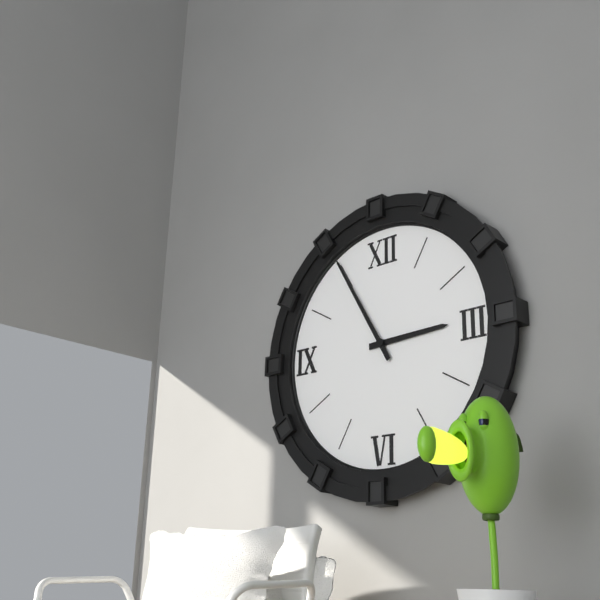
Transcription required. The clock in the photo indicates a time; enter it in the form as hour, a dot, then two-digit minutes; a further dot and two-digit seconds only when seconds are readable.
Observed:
2.55
